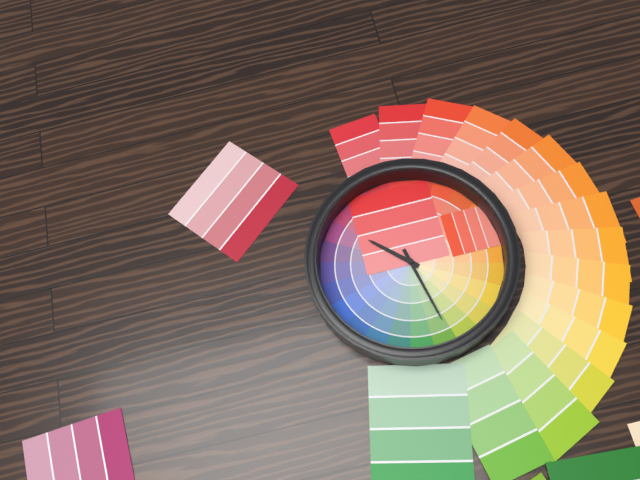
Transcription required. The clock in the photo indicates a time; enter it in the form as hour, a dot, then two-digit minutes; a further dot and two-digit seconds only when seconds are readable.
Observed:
10.28
